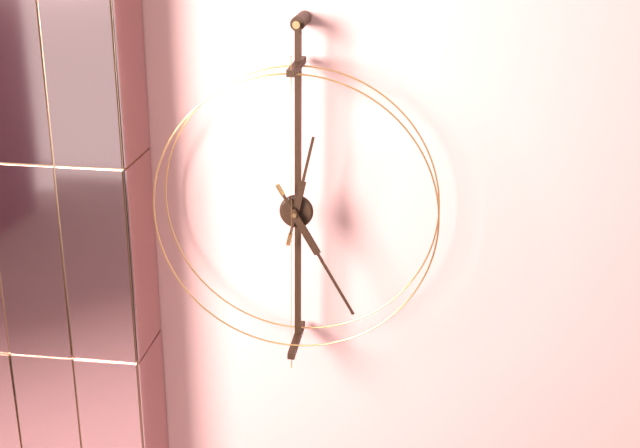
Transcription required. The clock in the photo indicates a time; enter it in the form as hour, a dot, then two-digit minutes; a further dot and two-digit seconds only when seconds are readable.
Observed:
12.25
